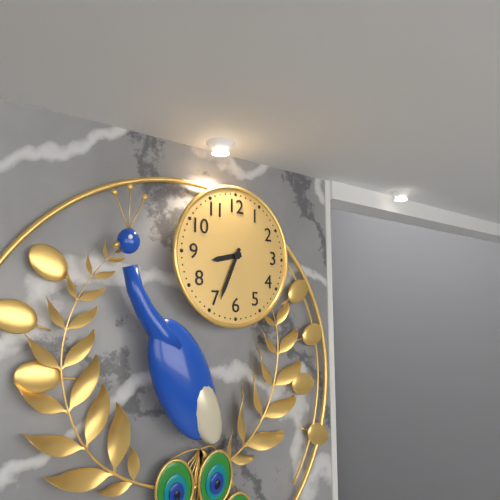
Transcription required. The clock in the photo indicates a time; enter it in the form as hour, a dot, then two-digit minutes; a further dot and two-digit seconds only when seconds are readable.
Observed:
8.34
